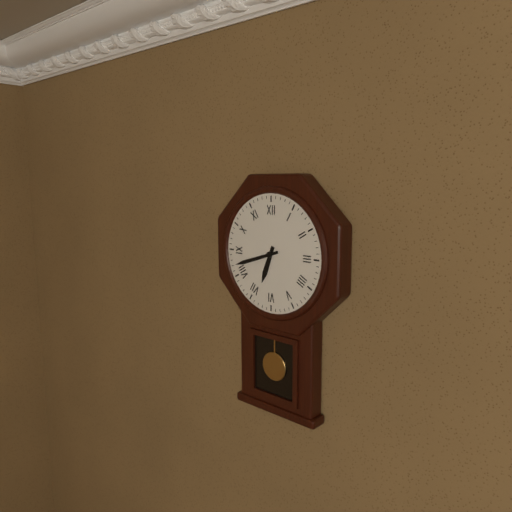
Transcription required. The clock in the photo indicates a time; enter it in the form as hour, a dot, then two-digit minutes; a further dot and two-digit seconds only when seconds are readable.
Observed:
6.42
